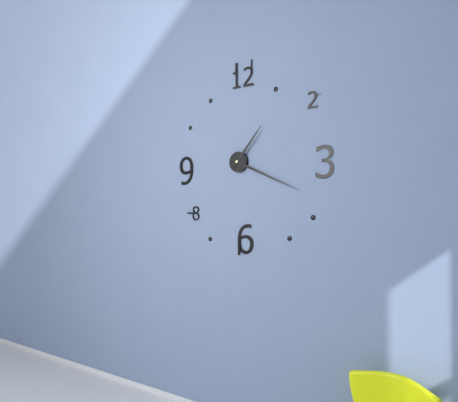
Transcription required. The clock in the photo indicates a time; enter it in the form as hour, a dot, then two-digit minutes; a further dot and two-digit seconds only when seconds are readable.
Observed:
1.19
